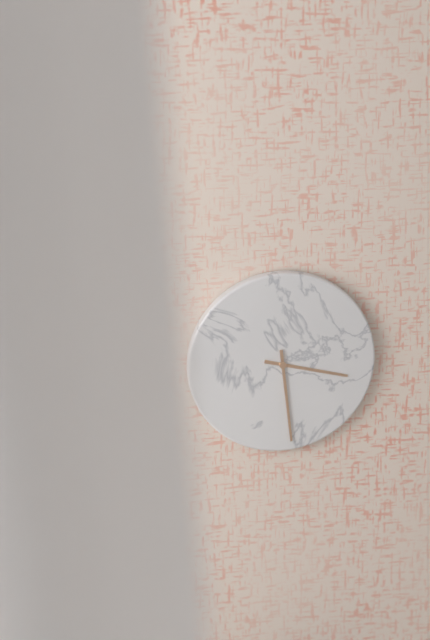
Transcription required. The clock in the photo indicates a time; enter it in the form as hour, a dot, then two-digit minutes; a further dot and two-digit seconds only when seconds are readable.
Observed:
3.29
